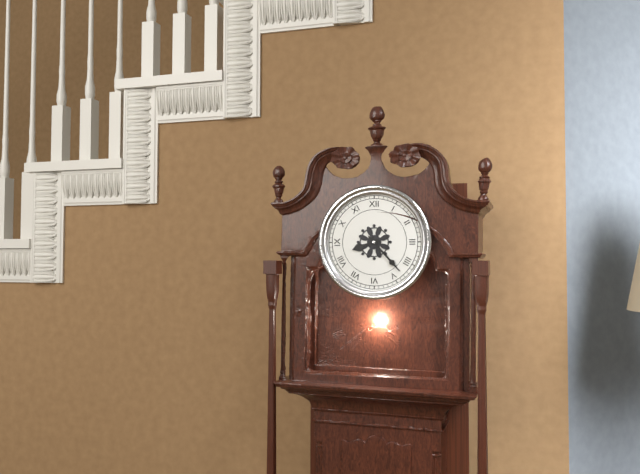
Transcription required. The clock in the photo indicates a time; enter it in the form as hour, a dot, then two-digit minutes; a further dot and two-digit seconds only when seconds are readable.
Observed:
8.23
